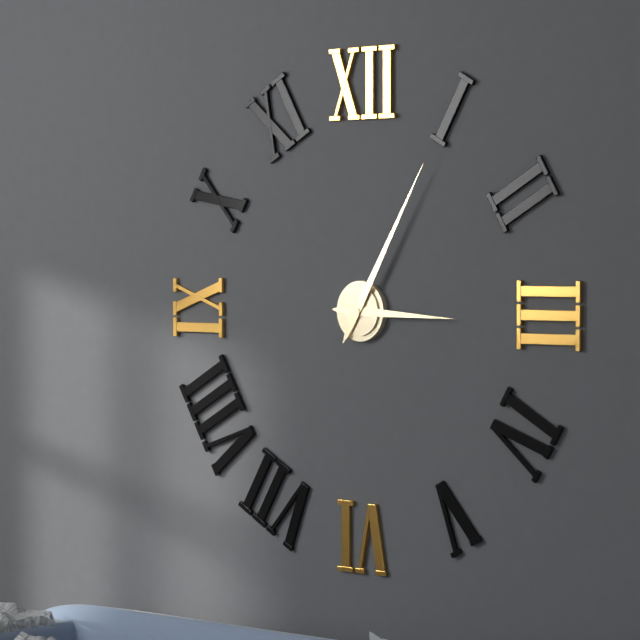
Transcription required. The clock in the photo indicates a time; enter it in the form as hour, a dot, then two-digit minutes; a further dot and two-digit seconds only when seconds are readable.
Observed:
3.05
